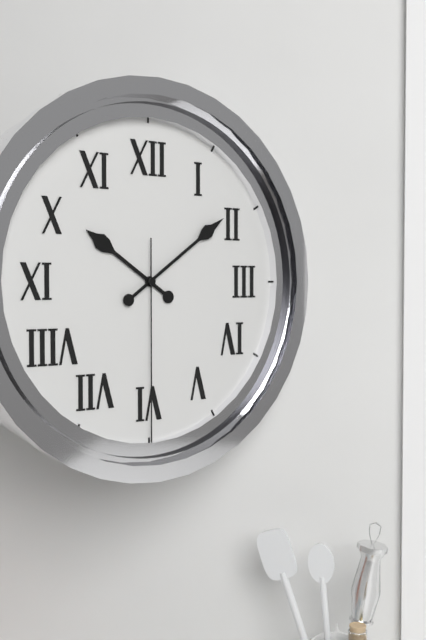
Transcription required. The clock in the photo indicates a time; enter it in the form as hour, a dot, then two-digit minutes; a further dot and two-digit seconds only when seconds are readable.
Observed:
10.09.30
